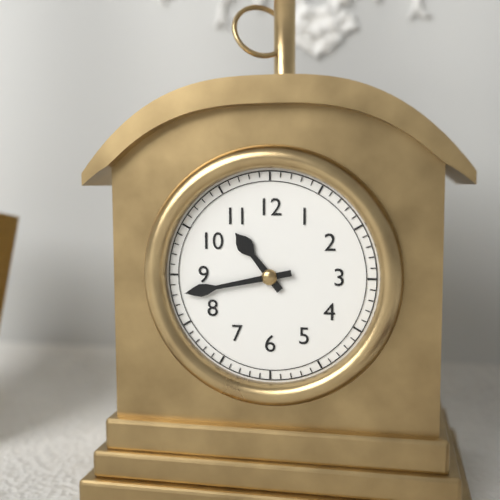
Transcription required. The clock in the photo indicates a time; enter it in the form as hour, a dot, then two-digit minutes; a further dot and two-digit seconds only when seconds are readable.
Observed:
10.43
